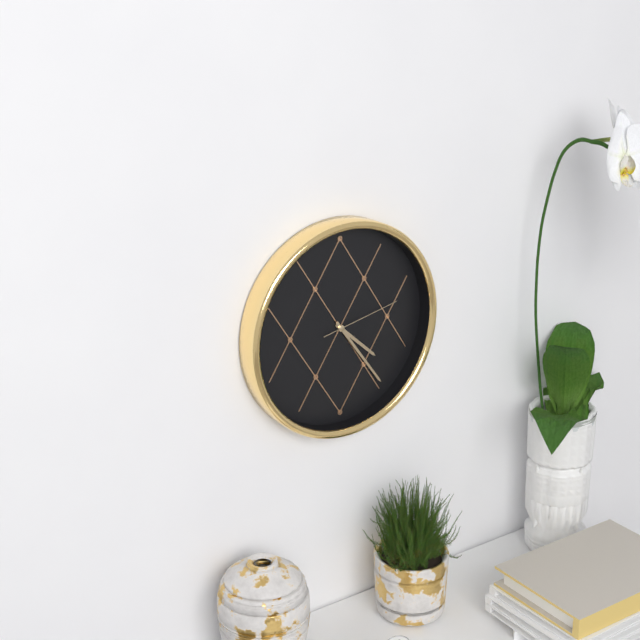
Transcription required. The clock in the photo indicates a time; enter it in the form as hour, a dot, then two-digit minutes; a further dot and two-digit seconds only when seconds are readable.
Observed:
4.24.13
